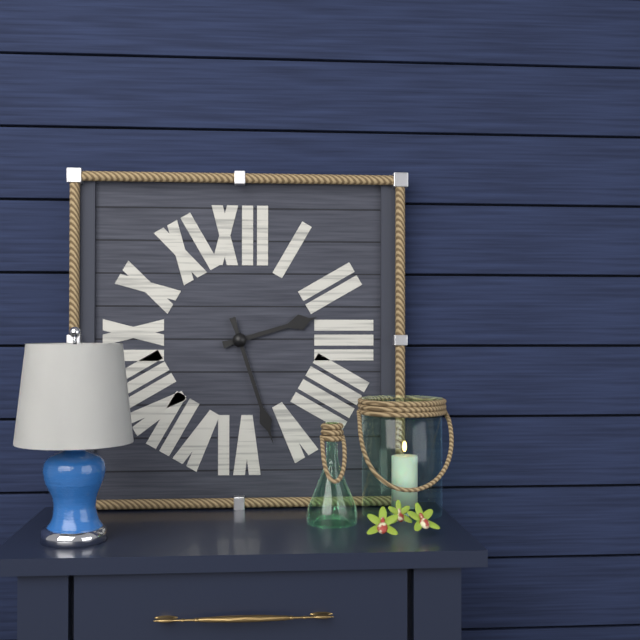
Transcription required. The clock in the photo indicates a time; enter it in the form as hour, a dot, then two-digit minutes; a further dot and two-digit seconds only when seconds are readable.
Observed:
2.27
